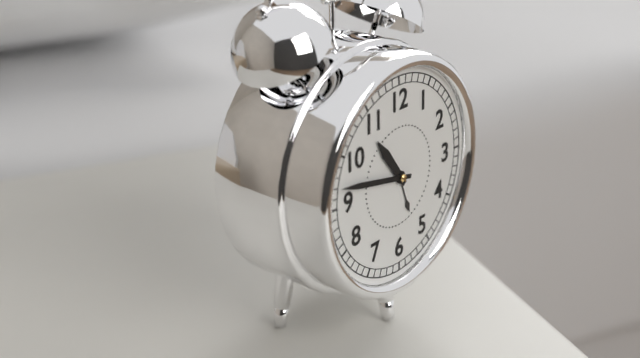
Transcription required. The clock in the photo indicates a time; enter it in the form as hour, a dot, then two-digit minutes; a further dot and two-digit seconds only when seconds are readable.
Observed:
10.47
